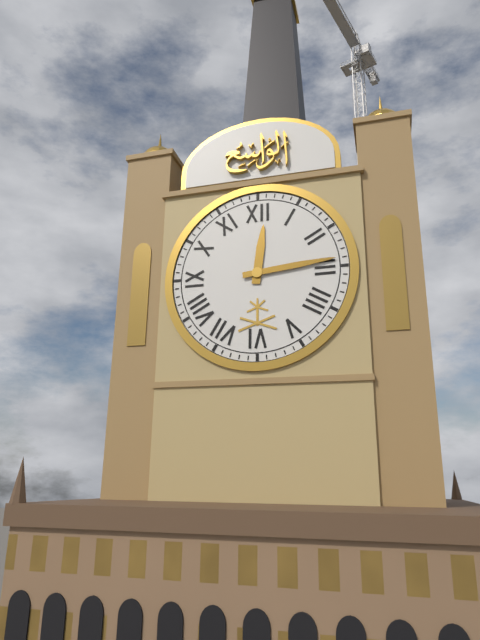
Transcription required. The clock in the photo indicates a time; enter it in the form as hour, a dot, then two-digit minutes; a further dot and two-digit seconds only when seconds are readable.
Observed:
12.14
